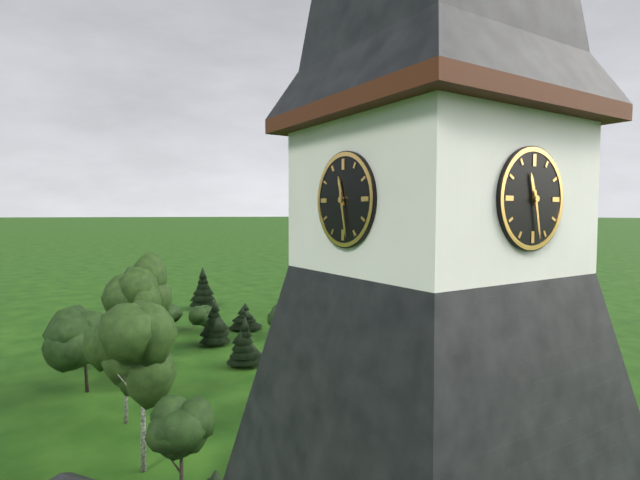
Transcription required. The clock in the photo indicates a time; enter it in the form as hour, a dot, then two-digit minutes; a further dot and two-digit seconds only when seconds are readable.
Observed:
11.28
